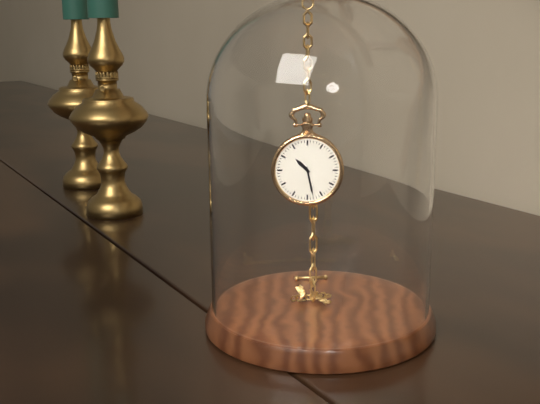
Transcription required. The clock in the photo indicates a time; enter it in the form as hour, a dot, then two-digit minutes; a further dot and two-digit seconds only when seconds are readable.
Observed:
10.28
